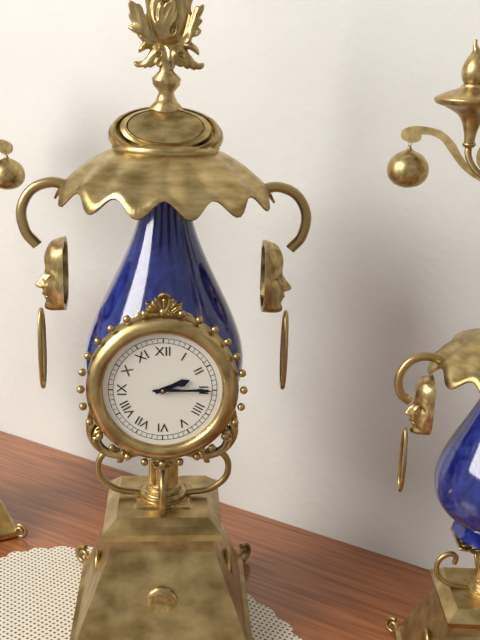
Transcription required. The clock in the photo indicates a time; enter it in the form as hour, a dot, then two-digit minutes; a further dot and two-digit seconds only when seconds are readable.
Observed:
2.15
